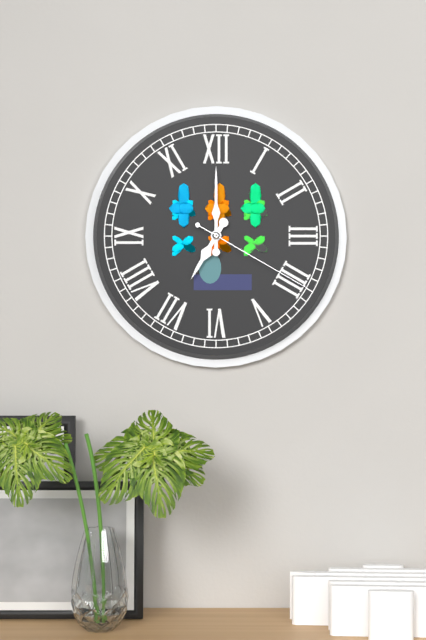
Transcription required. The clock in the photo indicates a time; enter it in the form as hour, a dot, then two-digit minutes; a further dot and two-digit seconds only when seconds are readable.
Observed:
7.00.20
